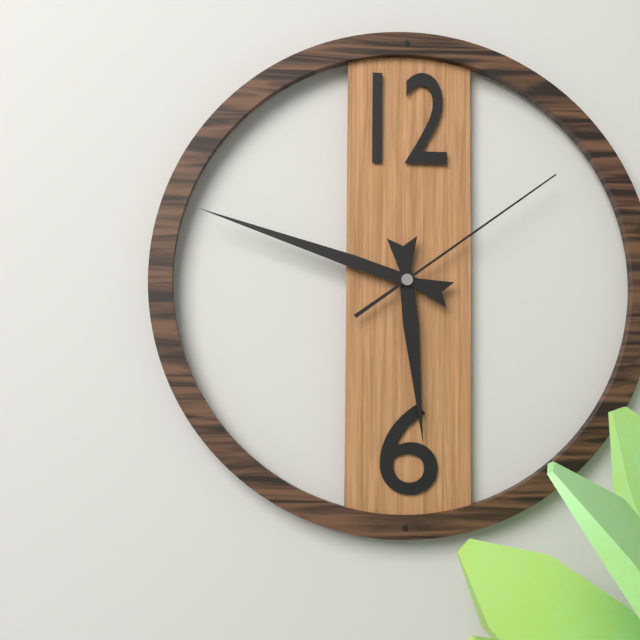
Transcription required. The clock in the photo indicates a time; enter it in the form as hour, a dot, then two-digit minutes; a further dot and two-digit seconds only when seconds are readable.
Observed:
5.48.09
